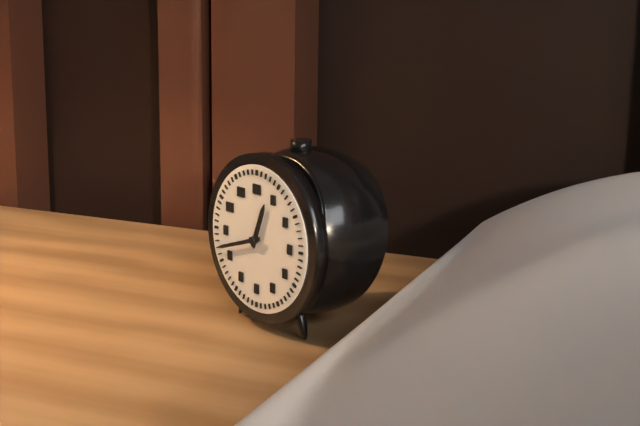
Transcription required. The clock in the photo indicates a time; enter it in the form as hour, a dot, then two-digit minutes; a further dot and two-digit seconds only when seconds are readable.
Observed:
12.42
